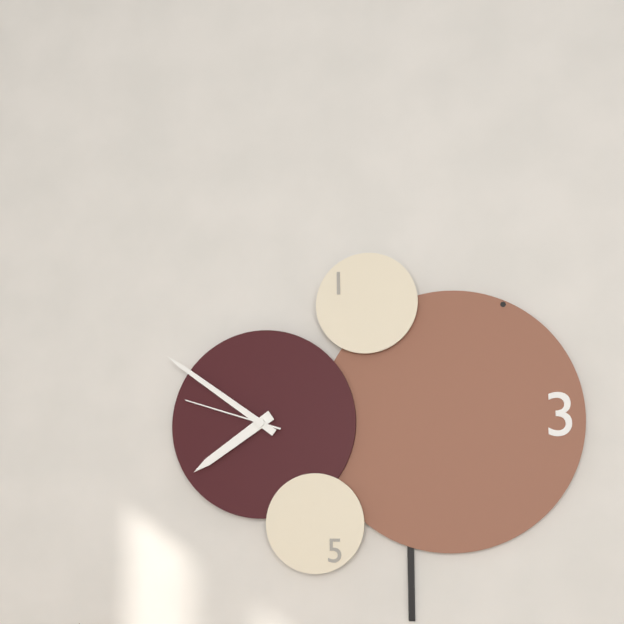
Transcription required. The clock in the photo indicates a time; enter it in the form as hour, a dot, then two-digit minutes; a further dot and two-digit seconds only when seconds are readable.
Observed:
7.51.48
